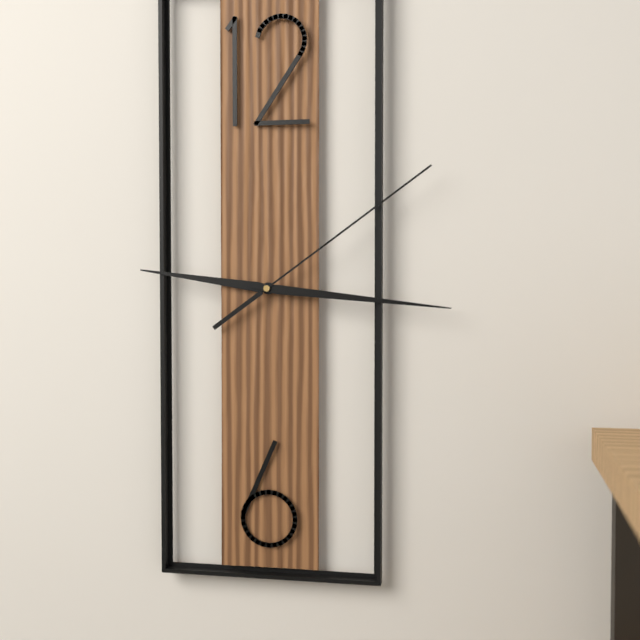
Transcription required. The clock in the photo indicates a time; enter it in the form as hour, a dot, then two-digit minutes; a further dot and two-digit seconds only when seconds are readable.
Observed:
9.16.09
